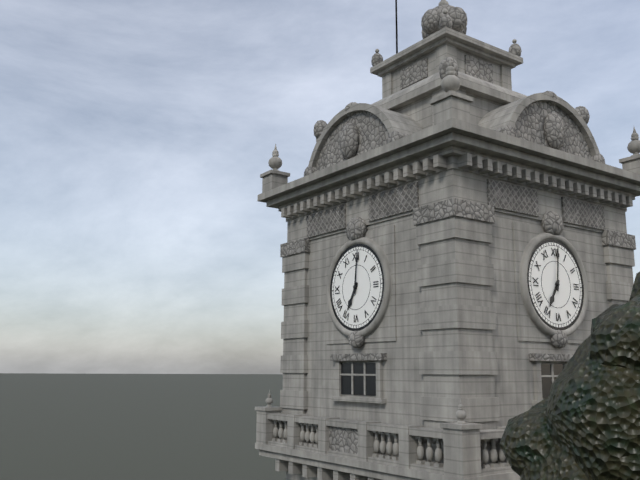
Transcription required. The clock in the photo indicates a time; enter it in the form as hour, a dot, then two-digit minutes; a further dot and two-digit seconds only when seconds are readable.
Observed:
7.01
